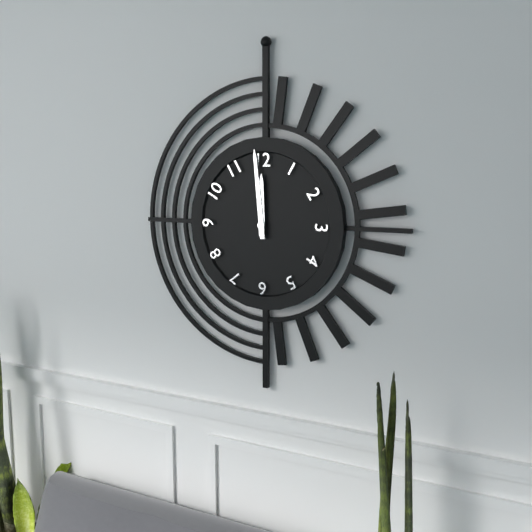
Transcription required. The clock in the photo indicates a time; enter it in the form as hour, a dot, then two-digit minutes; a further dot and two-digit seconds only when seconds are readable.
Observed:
11.59
